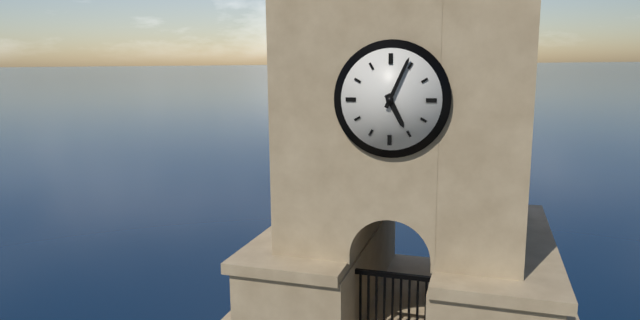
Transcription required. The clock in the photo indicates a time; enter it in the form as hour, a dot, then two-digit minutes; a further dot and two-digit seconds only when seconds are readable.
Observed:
5.04
